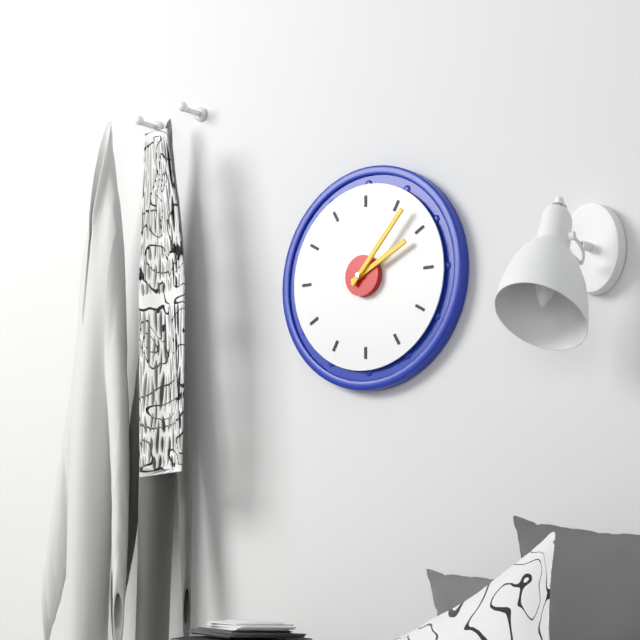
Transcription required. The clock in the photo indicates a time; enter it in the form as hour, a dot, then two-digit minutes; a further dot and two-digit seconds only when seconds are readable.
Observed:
2.07
